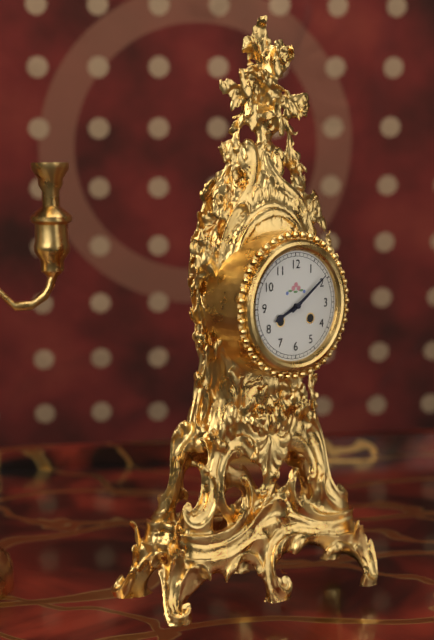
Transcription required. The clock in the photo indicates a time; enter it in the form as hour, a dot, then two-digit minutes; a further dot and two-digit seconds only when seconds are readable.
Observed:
8.09
